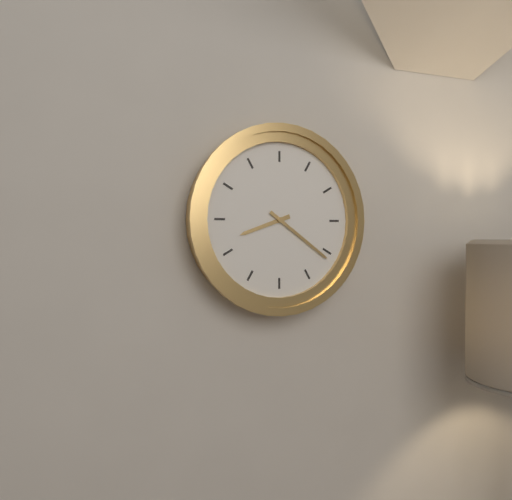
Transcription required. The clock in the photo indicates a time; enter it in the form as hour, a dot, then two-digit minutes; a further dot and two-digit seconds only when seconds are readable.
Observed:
8.21
